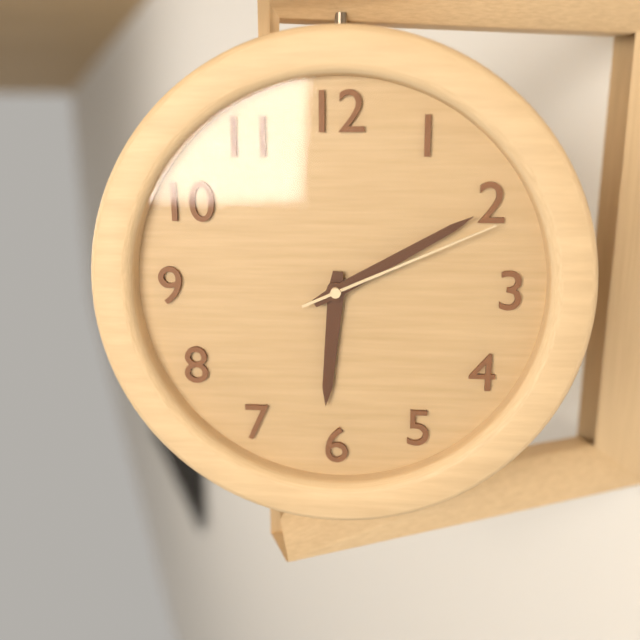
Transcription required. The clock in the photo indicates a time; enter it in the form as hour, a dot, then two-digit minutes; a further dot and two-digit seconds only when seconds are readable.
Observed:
6.10.11
